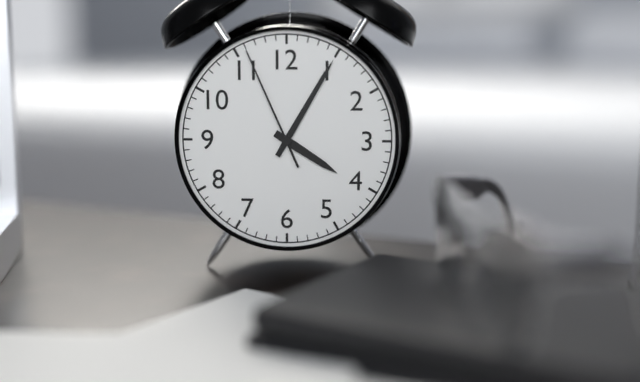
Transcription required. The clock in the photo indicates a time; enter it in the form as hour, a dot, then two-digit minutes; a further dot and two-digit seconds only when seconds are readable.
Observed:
4.05.56
